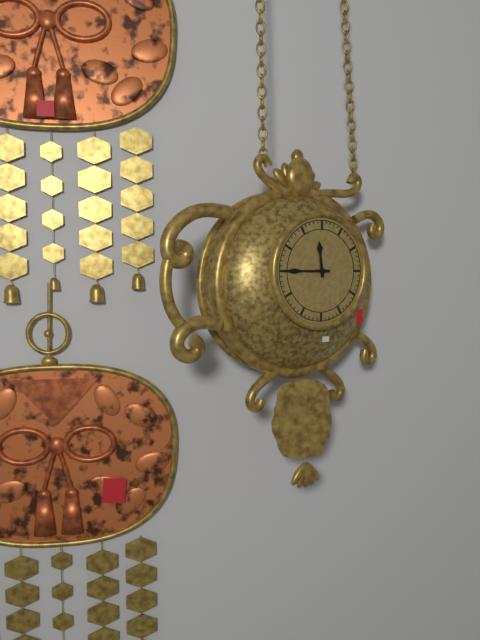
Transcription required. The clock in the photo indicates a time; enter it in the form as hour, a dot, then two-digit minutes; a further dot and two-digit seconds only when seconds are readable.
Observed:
11.45
